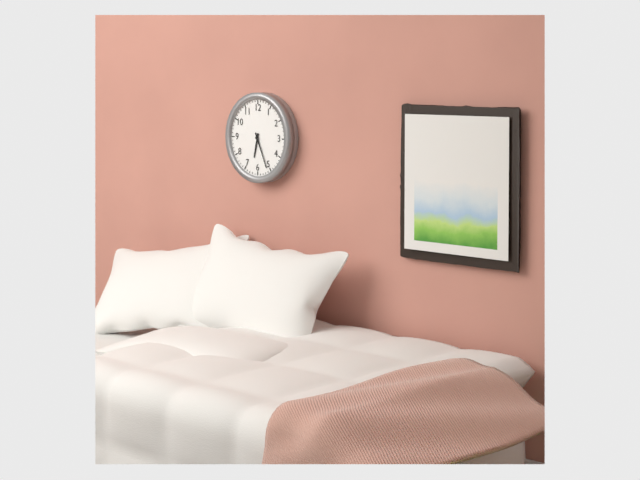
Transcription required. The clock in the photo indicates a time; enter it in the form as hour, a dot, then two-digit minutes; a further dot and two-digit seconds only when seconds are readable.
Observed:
6.26
